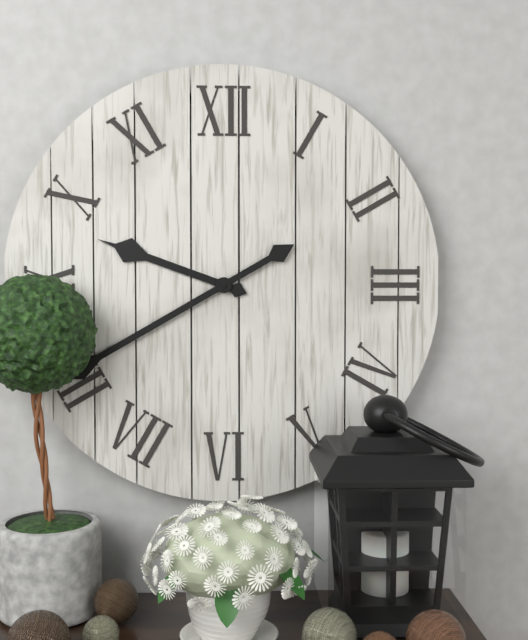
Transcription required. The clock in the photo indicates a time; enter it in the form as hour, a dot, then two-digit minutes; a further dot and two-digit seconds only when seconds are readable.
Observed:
9.40
